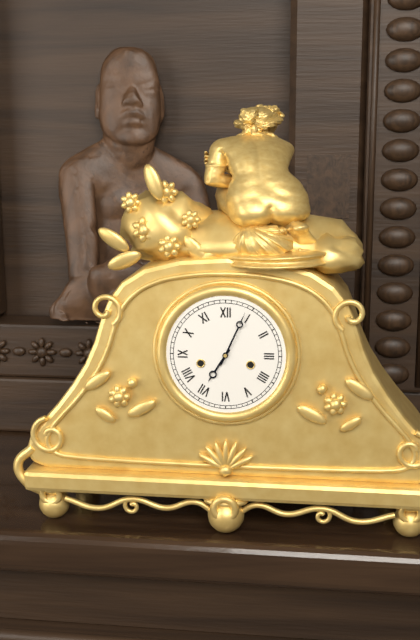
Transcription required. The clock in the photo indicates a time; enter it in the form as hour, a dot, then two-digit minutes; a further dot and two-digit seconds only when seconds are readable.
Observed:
7.04
